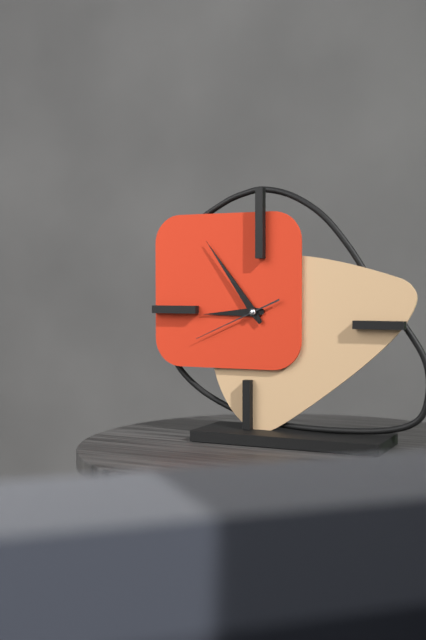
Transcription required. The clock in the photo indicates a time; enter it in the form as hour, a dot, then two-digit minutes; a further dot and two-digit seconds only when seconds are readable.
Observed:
8.54.41
